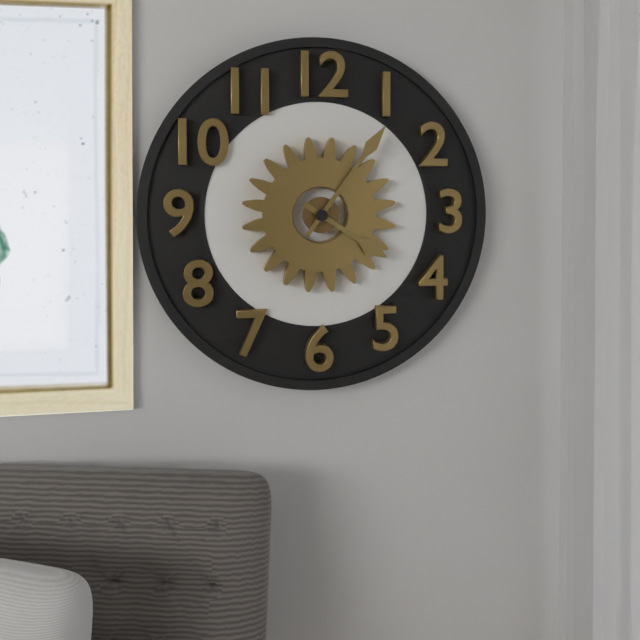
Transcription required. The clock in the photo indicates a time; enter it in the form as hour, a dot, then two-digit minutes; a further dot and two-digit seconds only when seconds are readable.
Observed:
4.06
